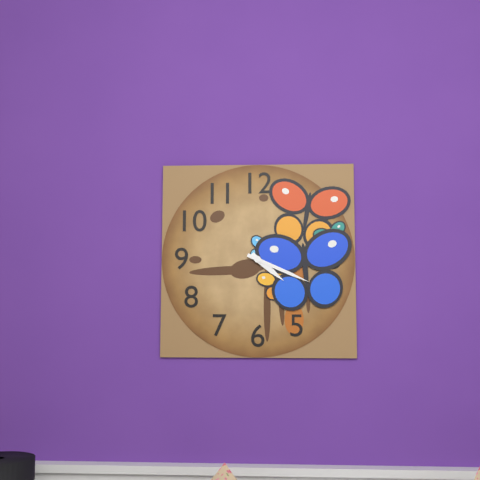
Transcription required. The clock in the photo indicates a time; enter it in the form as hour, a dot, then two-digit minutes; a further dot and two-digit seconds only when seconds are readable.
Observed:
4.19
